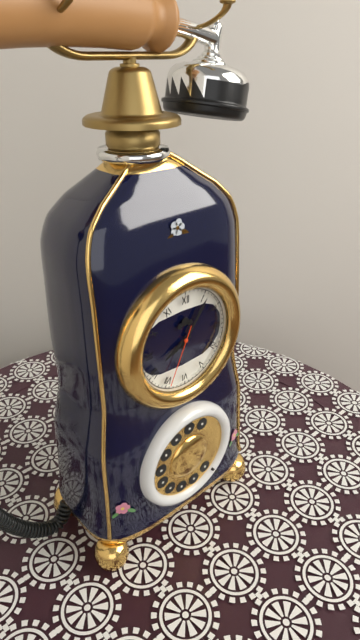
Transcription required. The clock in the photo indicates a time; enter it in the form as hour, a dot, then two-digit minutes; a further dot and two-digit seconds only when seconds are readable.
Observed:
8.06.34
